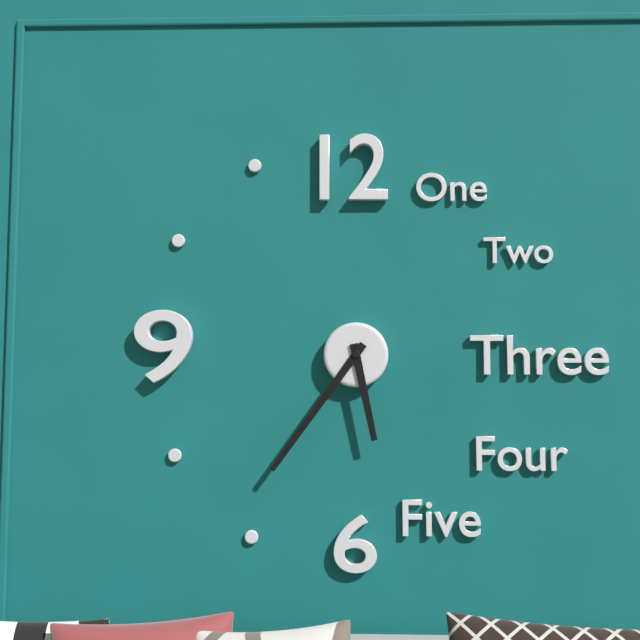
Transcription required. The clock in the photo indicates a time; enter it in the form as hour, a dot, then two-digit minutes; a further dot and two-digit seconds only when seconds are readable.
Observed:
5.36
